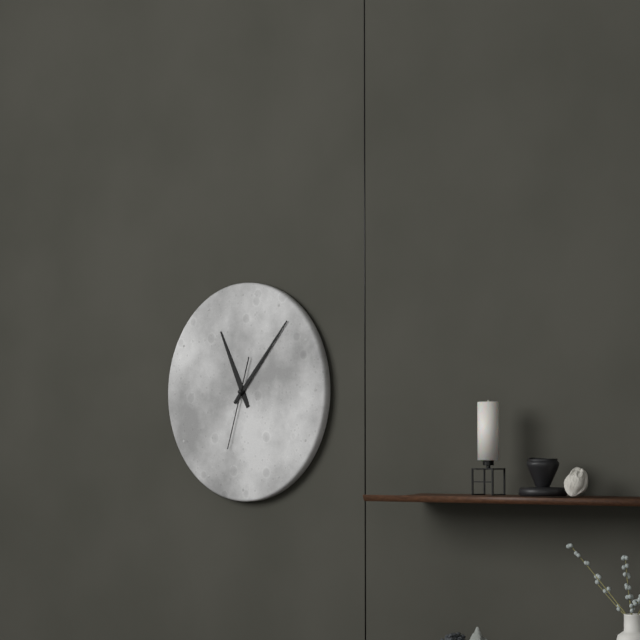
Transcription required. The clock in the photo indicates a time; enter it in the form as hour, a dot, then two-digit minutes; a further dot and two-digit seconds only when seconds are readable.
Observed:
11.07.33
